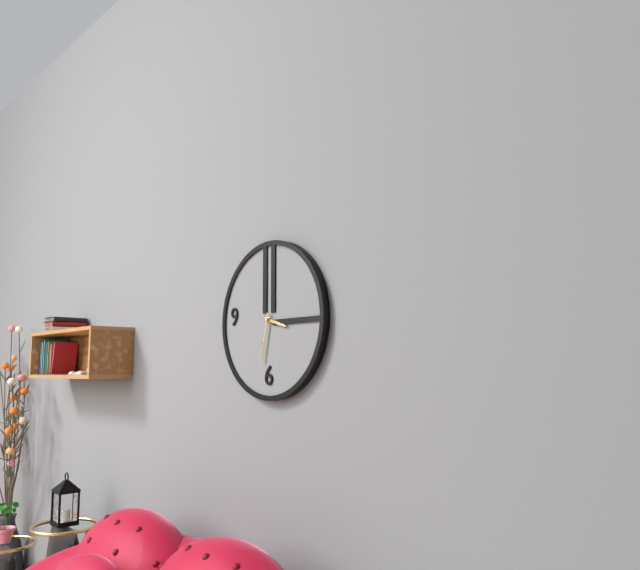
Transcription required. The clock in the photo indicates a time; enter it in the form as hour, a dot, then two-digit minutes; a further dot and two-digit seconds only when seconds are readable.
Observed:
3.32
